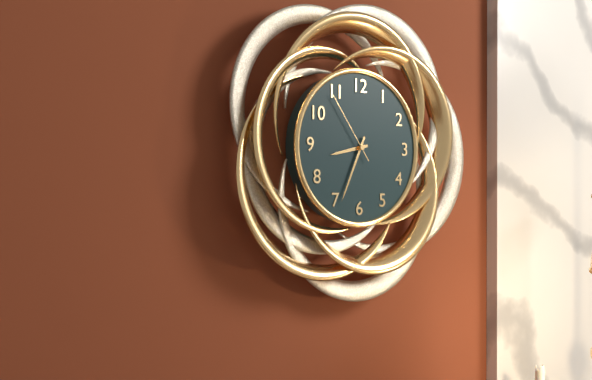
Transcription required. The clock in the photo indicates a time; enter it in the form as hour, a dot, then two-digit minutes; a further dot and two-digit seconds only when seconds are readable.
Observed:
8.34.54
